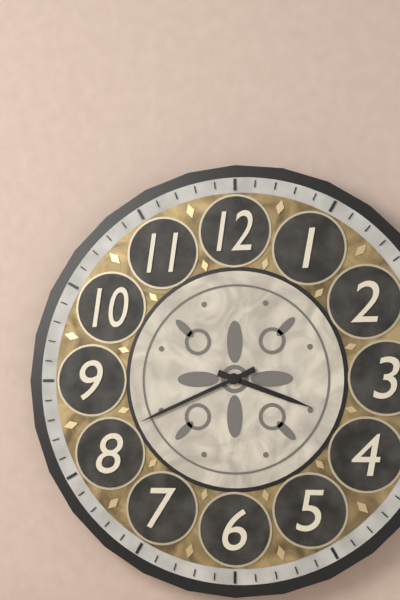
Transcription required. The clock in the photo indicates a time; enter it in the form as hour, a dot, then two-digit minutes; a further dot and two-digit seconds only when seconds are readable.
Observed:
3.41
